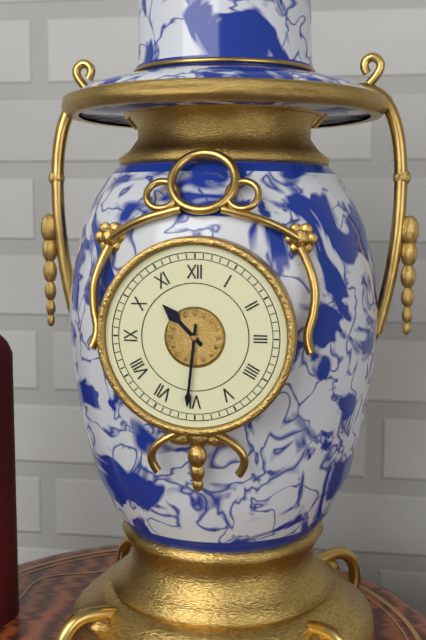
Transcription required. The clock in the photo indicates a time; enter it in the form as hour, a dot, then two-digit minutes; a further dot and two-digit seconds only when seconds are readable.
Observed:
10.31
